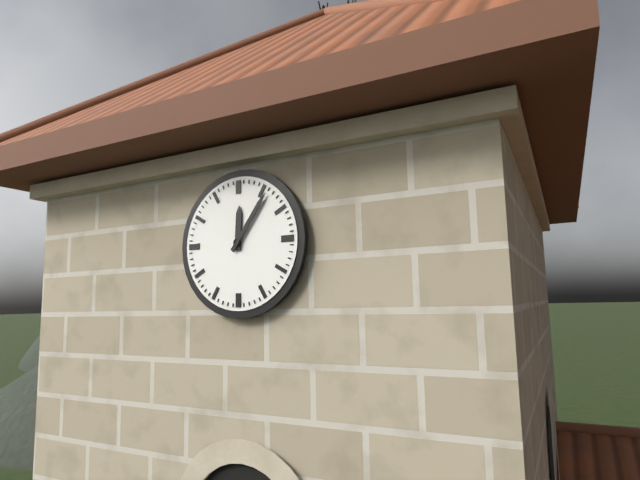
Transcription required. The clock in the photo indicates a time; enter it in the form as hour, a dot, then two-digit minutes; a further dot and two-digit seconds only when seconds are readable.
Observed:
12.06
